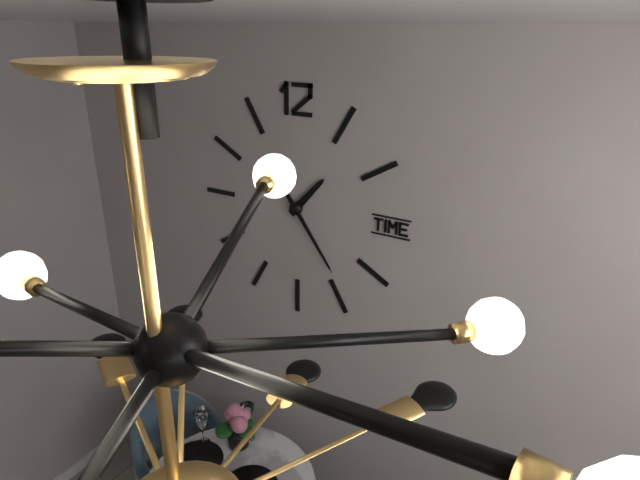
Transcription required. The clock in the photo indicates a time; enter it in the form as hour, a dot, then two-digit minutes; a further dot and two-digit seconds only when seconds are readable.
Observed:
1.24
